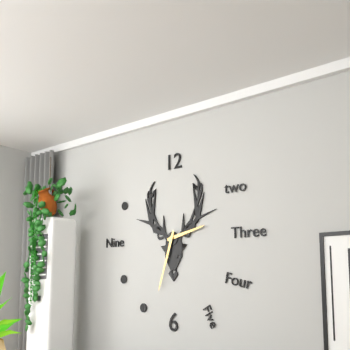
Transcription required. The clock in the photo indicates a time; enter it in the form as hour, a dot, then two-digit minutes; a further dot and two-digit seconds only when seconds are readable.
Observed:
2.33
